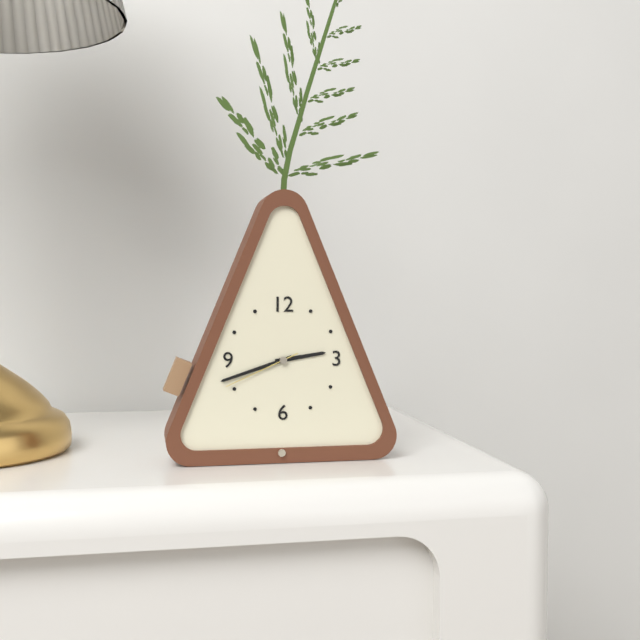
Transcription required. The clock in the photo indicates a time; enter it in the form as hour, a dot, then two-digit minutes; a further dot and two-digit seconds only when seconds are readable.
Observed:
2.42.41
